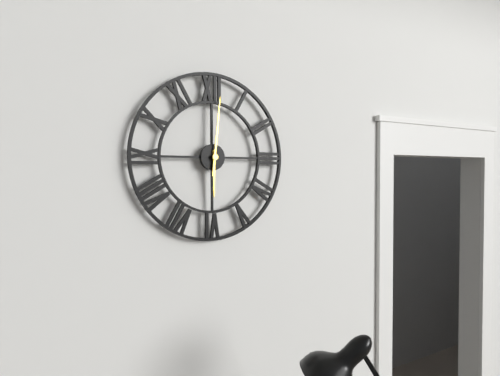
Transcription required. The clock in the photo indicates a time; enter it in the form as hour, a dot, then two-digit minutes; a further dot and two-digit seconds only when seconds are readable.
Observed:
6.01
